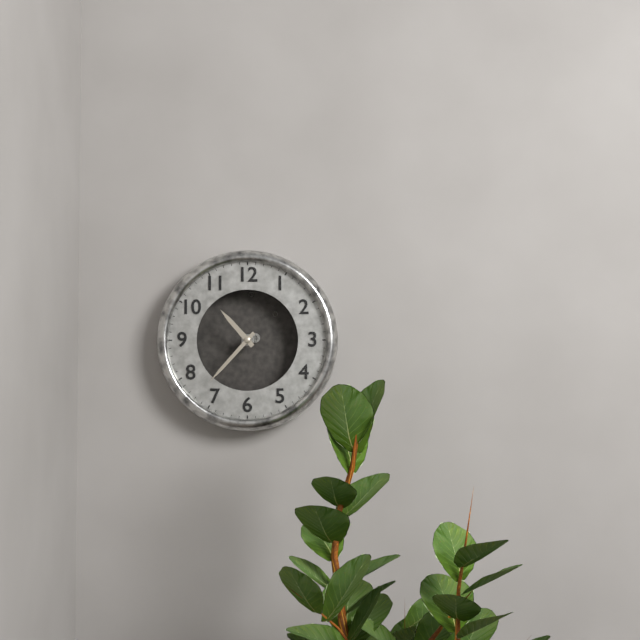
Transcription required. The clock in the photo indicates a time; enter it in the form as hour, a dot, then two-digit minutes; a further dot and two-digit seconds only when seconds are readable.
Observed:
10.37
